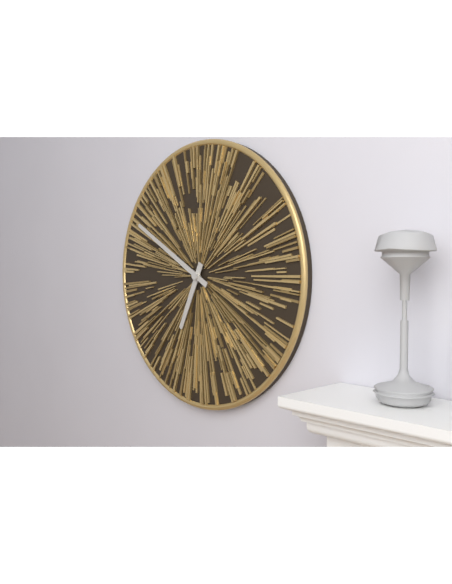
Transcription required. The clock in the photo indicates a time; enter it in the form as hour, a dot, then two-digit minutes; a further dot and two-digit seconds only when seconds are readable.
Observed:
6.50
